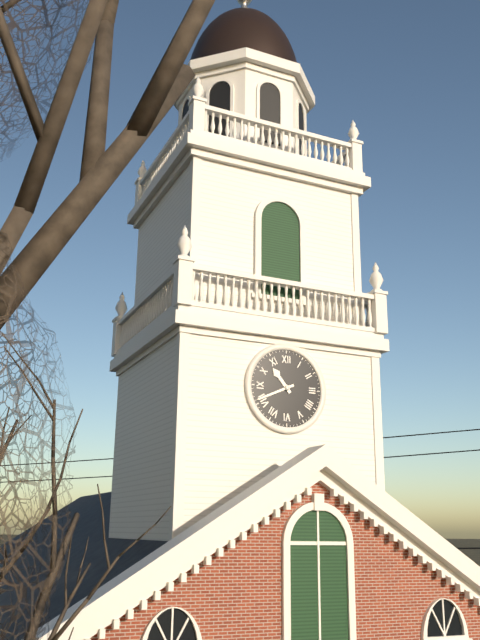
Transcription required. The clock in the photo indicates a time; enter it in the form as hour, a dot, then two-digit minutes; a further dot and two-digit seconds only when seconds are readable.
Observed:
10.41
